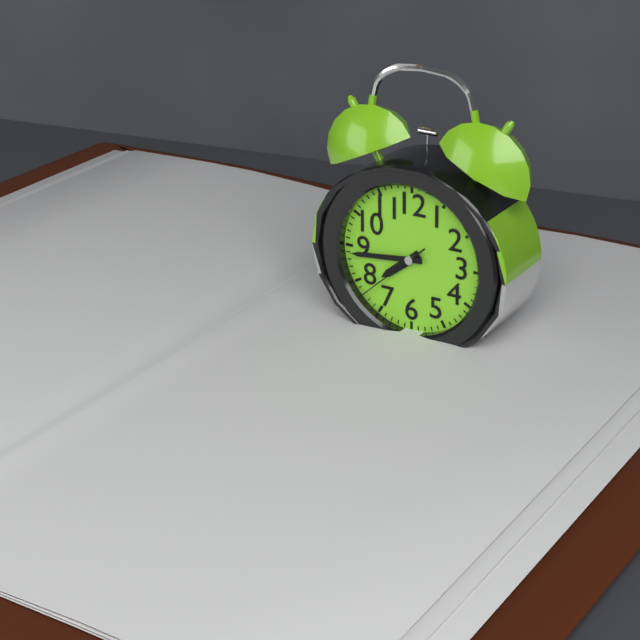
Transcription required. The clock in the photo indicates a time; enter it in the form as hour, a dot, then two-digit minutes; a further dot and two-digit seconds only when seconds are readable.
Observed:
7.44.38
